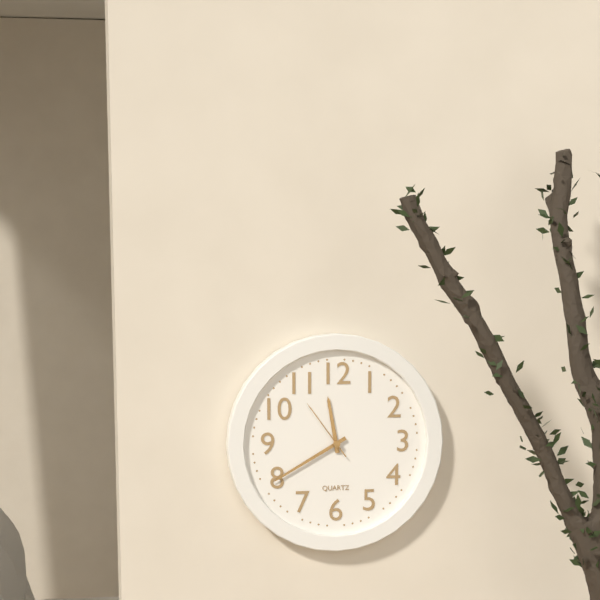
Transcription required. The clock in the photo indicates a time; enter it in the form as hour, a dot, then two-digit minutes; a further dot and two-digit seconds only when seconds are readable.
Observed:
11.40.54
